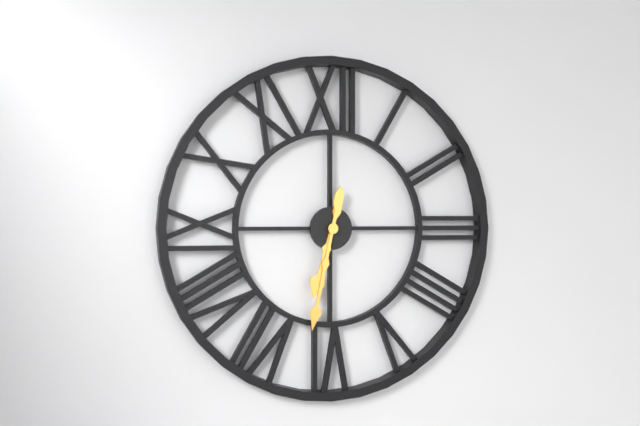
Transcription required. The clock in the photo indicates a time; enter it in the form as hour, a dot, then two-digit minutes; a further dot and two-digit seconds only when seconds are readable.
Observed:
6.32
